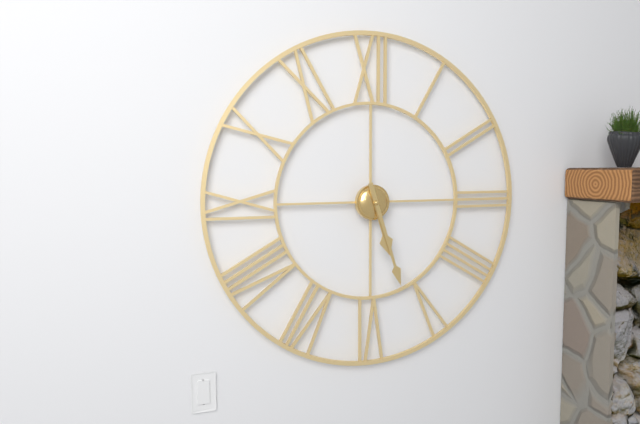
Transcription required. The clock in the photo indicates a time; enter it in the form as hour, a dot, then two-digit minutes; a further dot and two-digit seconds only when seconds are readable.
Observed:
5.27
